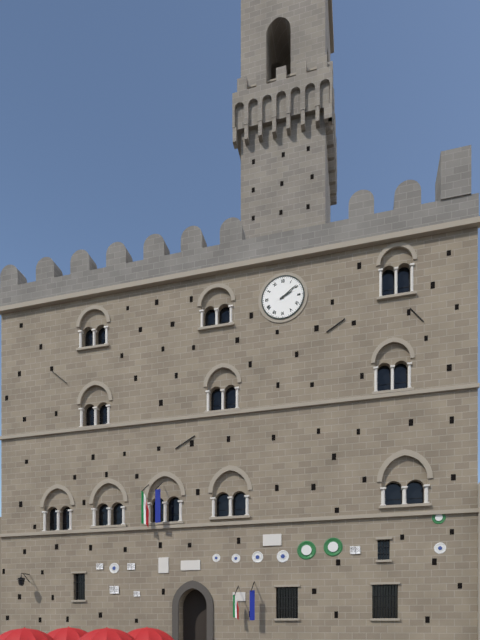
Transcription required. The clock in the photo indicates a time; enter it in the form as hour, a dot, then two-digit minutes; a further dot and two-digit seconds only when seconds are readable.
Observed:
2.09
